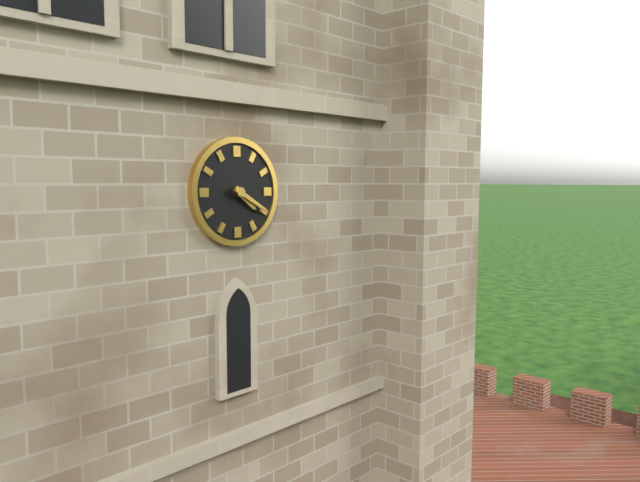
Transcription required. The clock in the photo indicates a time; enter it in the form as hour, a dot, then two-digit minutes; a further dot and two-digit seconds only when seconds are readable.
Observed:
4.20
